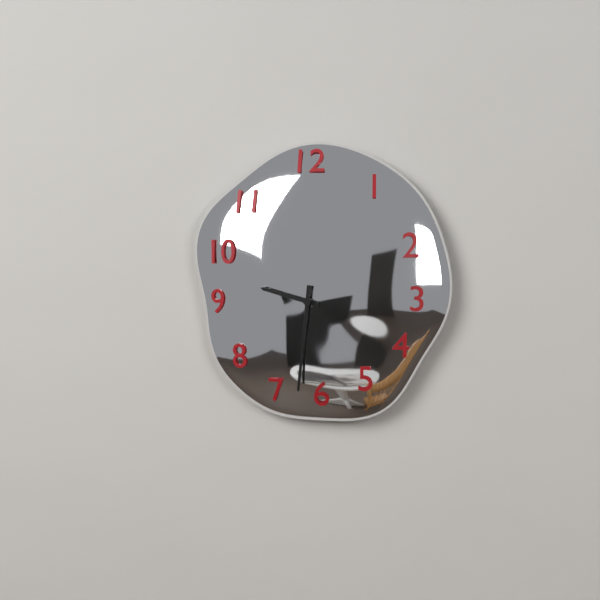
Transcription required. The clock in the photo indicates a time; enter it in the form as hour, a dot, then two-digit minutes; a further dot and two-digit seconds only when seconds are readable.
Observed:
9.31
